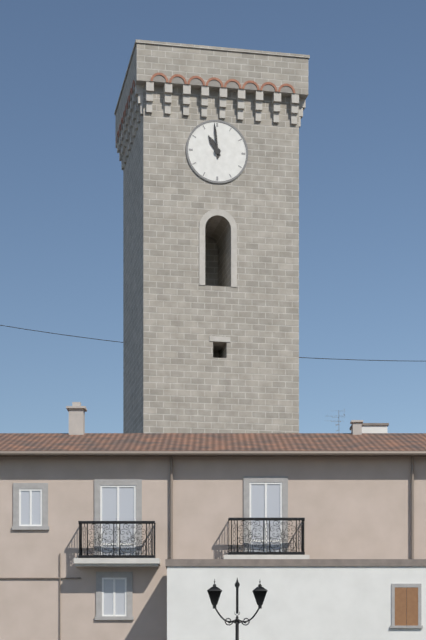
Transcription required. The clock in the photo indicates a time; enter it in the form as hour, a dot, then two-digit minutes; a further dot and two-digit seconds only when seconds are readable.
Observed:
10.59
